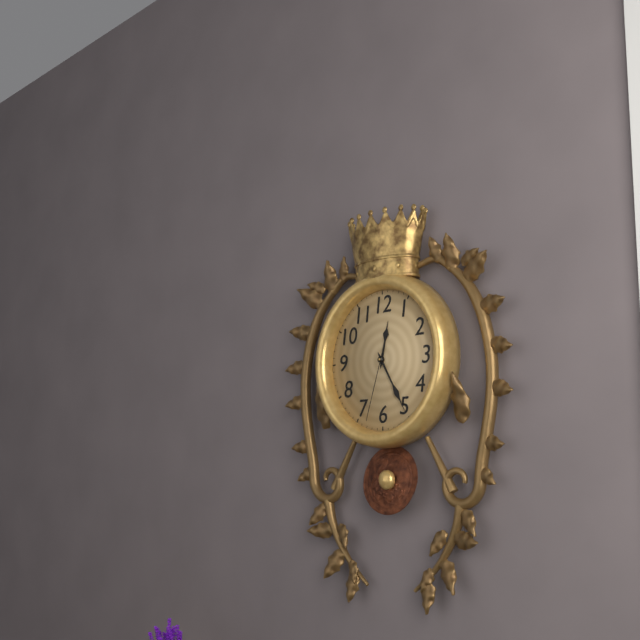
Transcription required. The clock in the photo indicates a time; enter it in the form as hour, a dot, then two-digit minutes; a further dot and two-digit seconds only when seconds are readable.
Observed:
12.25.33
